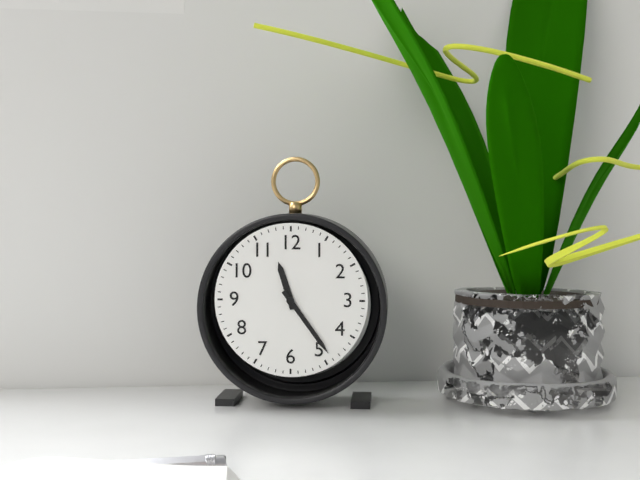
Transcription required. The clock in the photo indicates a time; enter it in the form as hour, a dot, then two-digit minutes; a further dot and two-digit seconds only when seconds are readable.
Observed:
11.24
